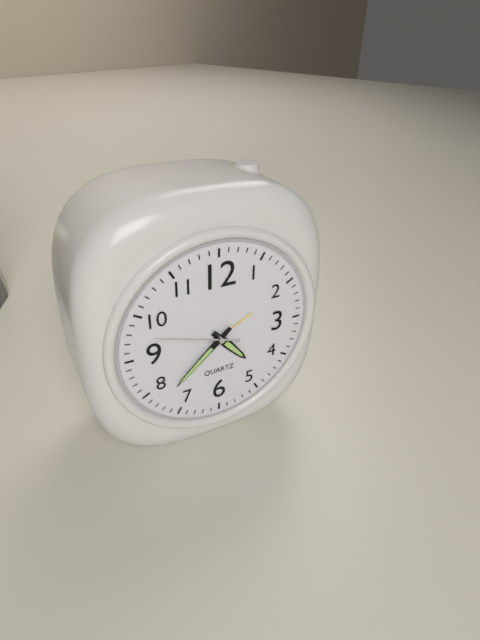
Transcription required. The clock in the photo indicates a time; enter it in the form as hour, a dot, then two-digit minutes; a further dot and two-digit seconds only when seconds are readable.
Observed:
4.38.48
